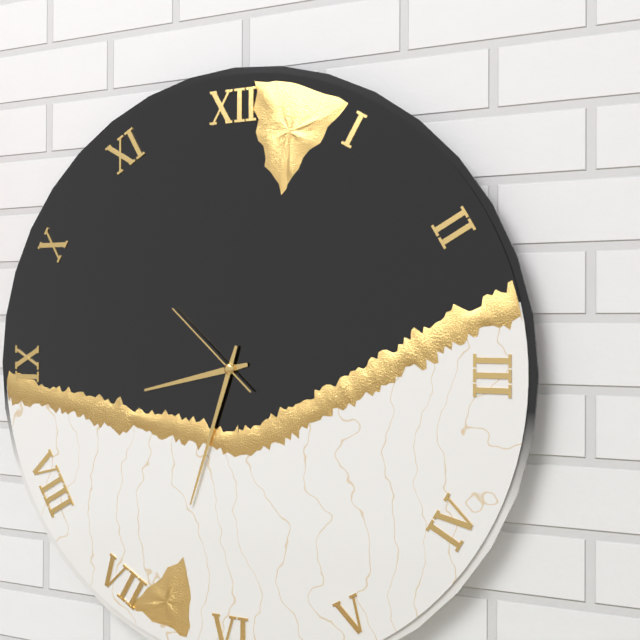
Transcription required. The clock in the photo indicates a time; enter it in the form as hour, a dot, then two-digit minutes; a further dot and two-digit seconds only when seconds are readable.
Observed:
8.33.52
